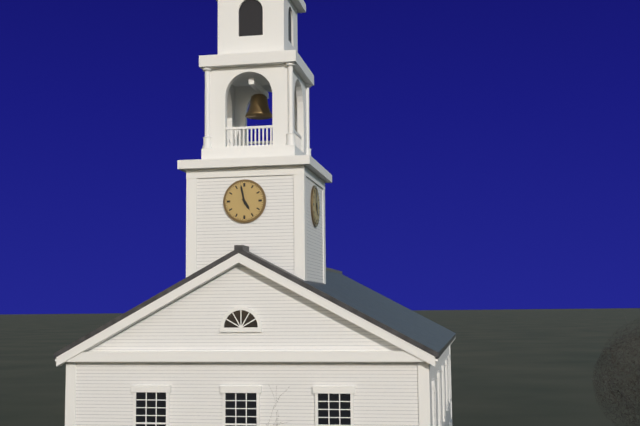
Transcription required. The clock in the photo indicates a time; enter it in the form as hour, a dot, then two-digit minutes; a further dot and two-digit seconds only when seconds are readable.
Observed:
4.58
